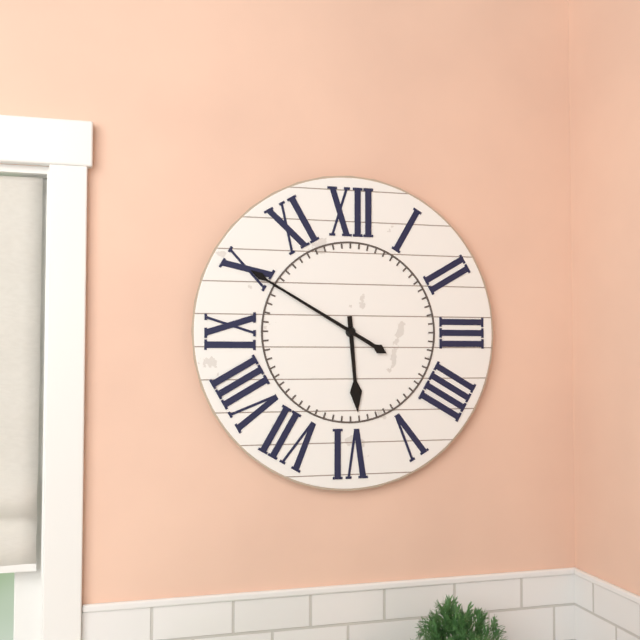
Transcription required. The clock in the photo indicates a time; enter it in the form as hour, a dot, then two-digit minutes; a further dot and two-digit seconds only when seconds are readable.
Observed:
5.50
